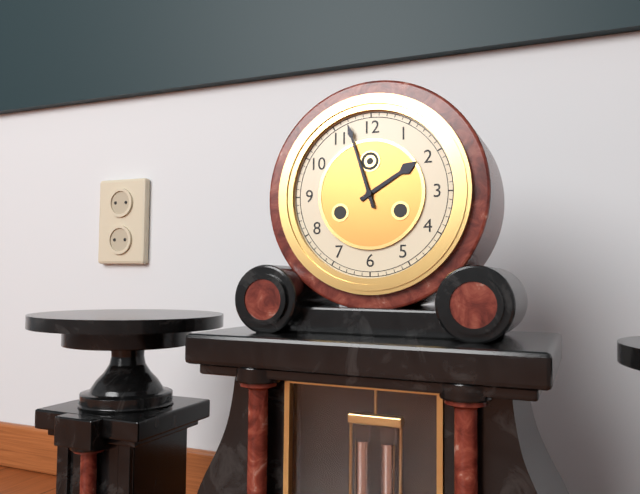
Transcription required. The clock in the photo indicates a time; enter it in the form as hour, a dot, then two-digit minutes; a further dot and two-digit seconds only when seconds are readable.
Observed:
1.57
